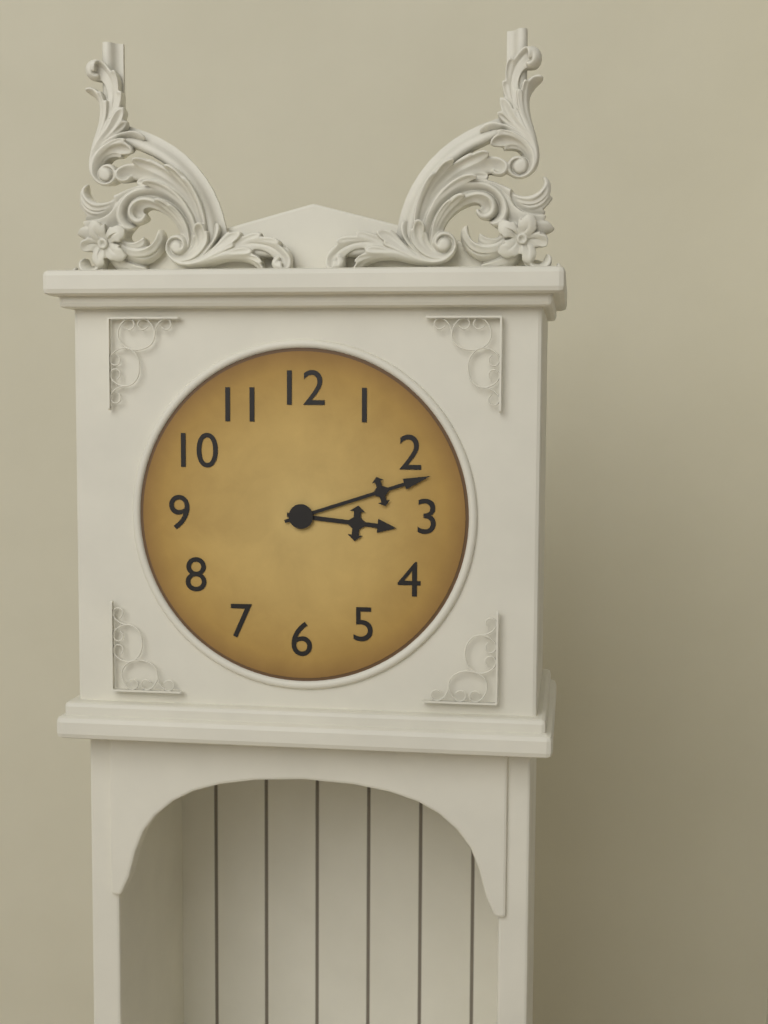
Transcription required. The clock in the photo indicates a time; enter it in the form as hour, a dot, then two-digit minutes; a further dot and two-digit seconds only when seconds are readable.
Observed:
3.12
